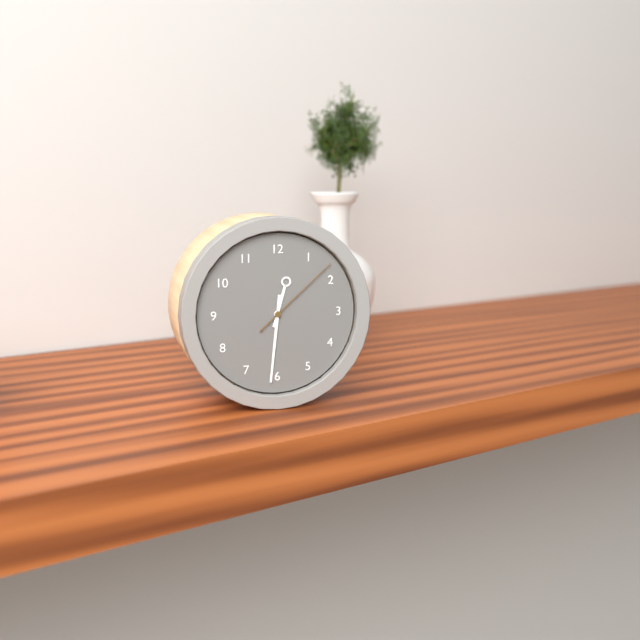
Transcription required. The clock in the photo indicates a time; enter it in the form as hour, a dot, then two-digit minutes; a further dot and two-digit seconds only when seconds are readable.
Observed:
12.31.08
